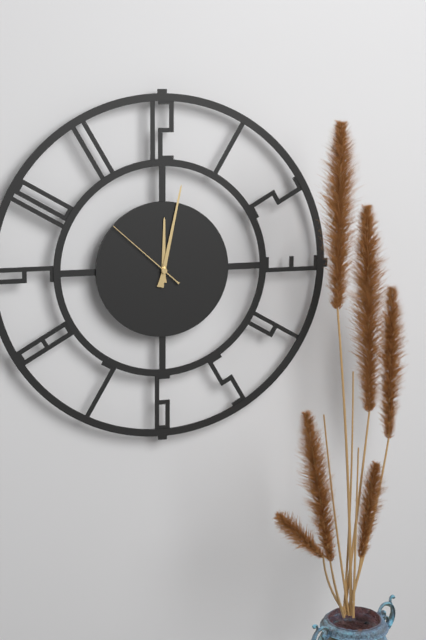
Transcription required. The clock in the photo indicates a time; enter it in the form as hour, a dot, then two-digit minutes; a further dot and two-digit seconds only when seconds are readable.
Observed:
12.02.52
